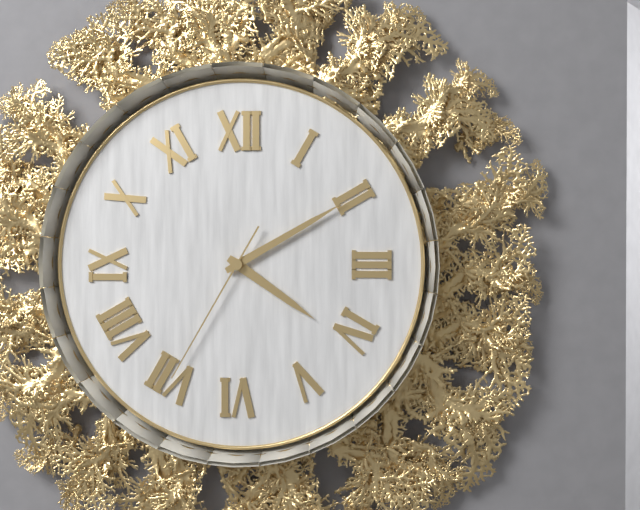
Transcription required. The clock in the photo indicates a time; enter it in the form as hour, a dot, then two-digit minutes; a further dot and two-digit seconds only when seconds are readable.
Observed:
4.10.35
